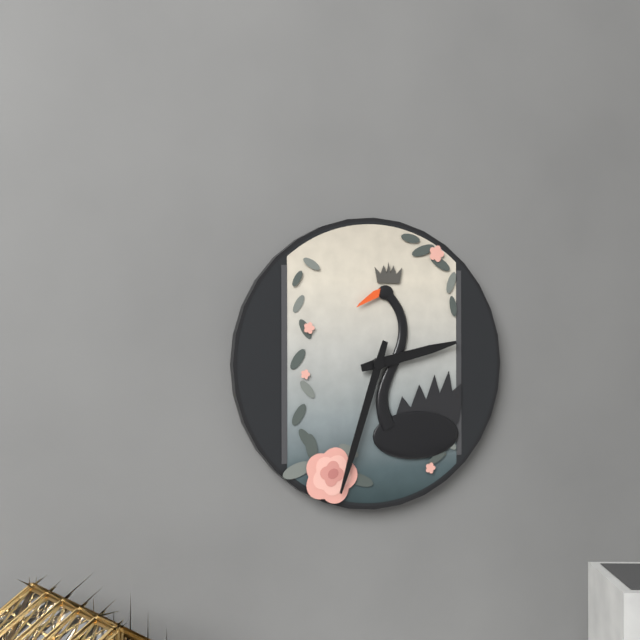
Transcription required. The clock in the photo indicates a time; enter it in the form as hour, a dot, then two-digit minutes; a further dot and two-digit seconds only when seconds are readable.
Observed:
2.33
